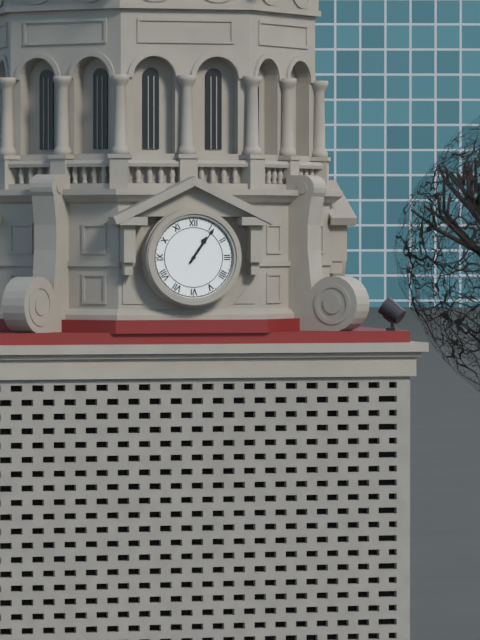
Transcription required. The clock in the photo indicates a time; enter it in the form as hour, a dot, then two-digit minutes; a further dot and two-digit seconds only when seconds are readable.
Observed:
1.06
